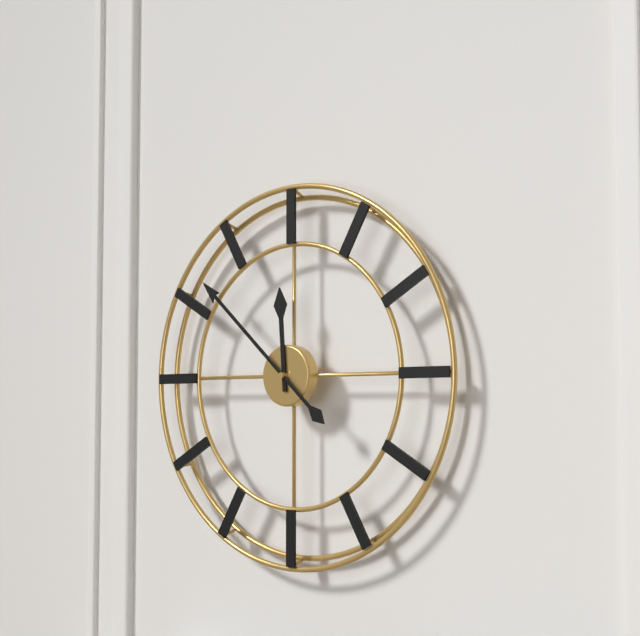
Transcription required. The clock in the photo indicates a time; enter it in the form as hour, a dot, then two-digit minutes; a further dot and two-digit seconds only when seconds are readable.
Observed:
11.52
